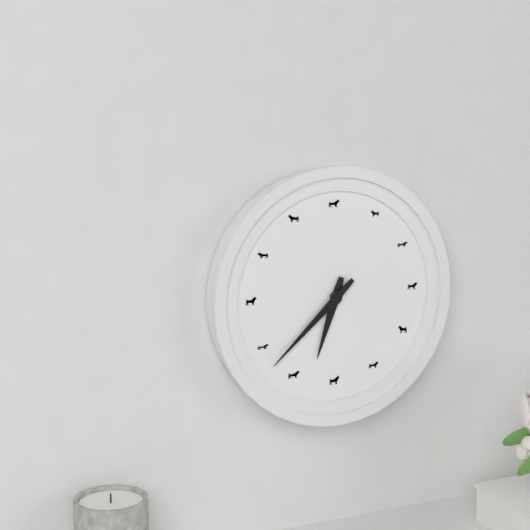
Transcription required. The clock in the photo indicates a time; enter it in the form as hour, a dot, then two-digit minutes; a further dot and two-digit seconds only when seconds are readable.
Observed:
6.38
